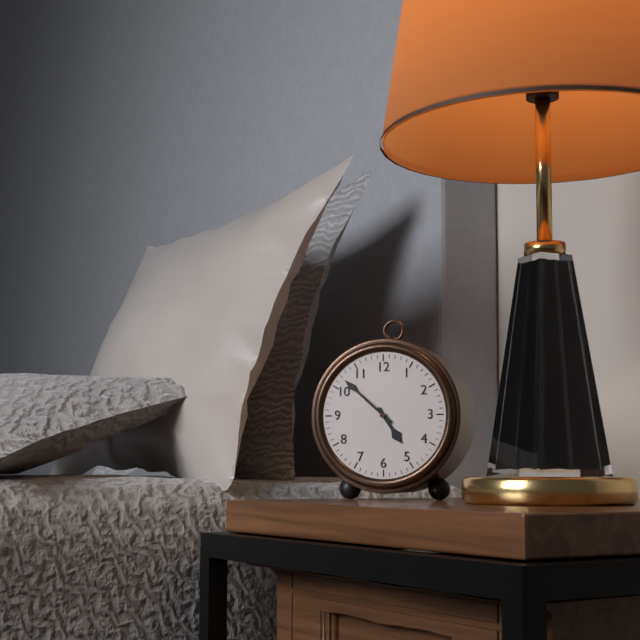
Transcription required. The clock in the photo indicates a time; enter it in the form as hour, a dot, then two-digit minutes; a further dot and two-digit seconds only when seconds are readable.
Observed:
4.52
